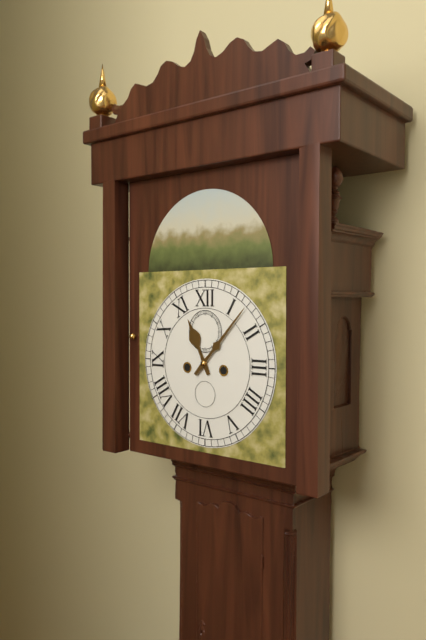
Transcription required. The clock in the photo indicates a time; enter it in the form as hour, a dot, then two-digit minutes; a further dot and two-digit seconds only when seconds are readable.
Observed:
11.07
